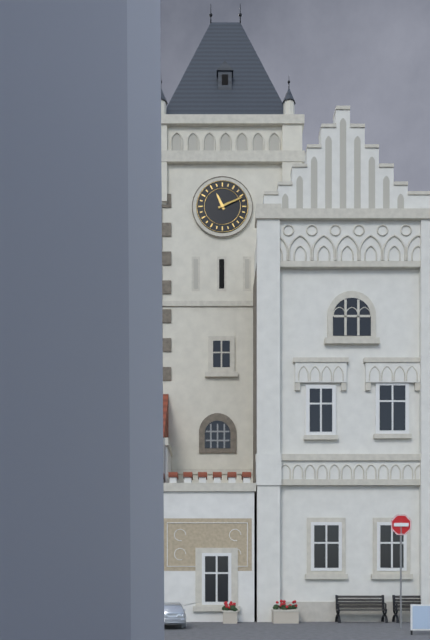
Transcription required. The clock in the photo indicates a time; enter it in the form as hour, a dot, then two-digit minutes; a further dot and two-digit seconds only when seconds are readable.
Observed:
11.11
